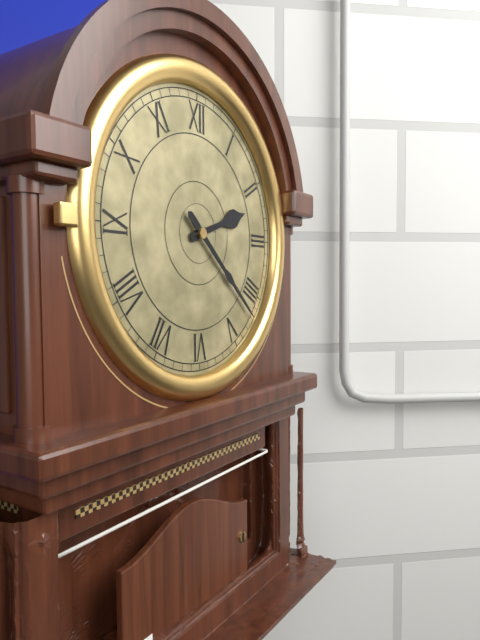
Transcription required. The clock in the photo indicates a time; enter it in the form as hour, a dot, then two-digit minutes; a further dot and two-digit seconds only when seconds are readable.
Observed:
2.22
